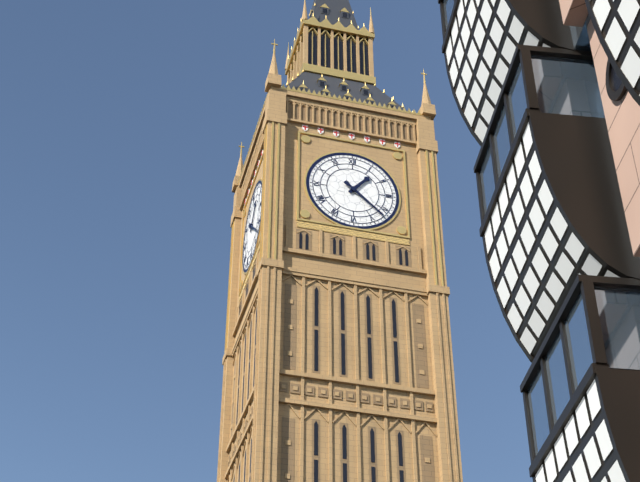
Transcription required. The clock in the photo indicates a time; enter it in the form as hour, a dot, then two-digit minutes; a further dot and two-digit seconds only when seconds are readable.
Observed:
1.22
